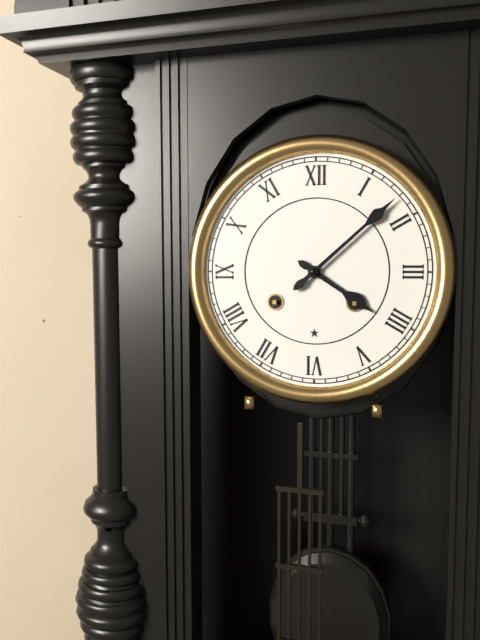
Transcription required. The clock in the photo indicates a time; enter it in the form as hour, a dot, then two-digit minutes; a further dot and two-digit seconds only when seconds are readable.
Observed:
4.08
